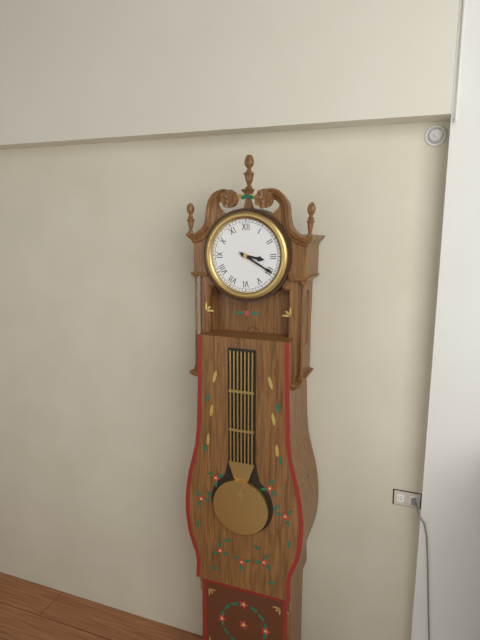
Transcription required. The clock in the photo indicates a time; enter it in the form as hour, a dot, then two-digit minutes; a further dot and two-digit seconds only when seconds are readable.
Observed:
3.20
